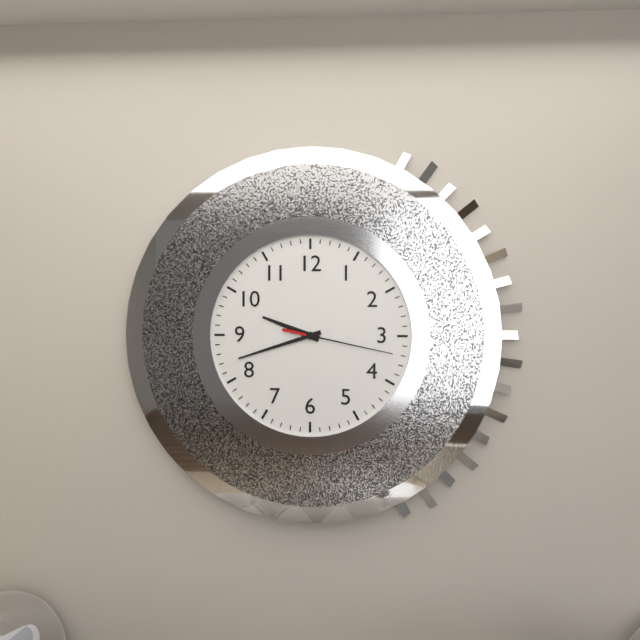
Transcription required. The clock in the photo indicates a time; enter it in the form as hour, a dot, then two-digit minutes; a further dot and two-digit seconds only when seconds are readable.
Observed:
9.42.17
